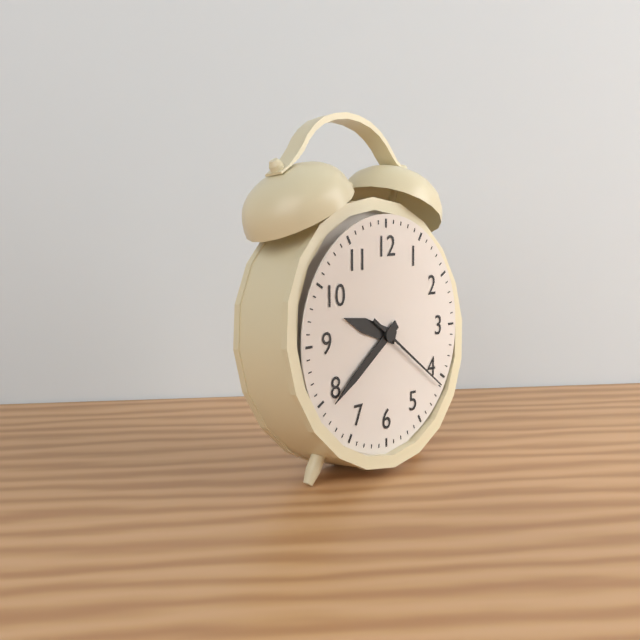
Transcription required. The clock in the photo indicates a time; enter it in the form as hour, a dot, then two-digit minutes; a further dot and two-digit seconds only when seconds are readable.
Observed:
9.39.21
